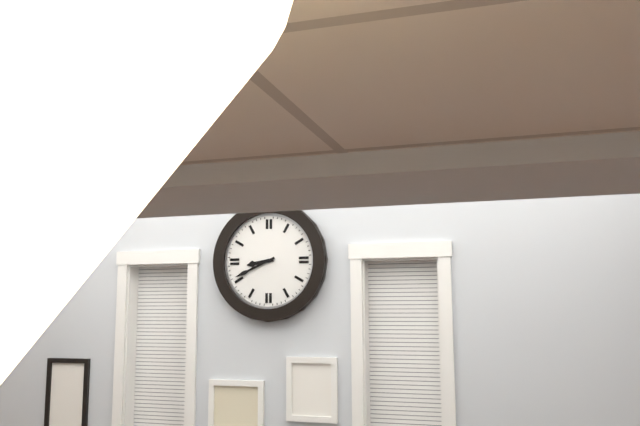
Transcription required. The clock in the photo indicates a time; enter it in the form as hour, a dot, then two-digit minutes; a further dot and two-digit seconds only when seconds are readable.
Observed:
8.41
